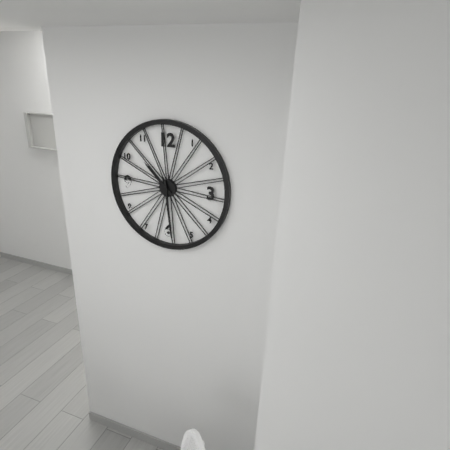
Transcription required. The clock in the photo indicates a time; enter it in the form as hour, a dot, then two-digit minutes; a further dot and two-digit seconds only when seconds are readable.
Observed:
10.29
